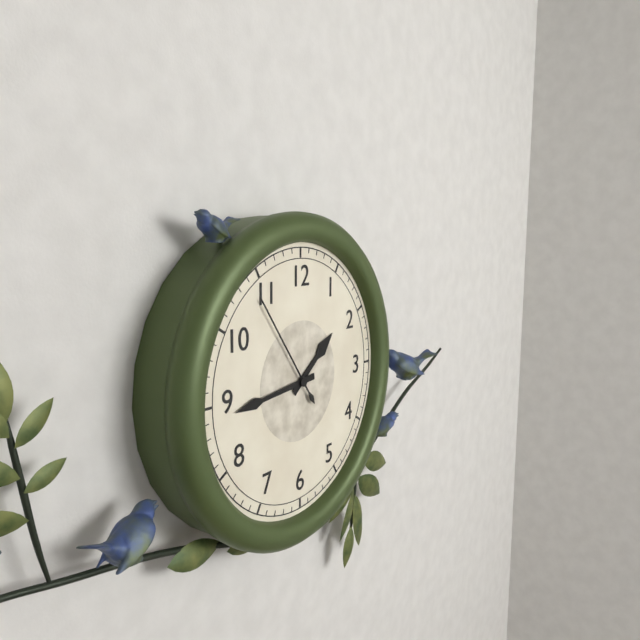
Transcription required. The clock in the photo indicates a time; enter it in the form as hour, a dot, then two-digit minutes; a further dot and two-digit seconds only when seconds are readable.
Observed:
1.44.54
